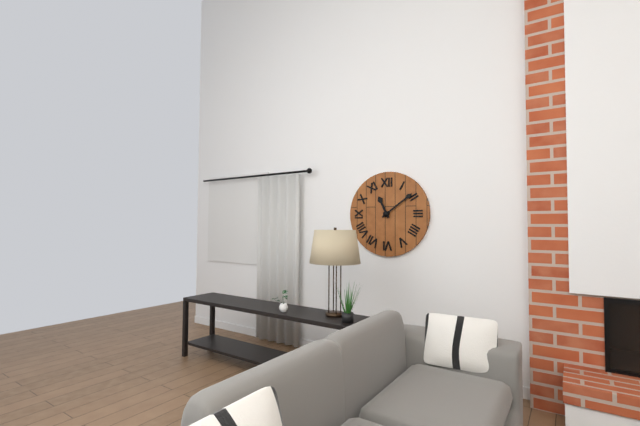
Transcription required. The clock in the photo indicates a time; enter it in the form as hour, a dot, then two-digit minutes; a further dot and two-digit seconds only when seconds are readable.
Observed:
11.09
